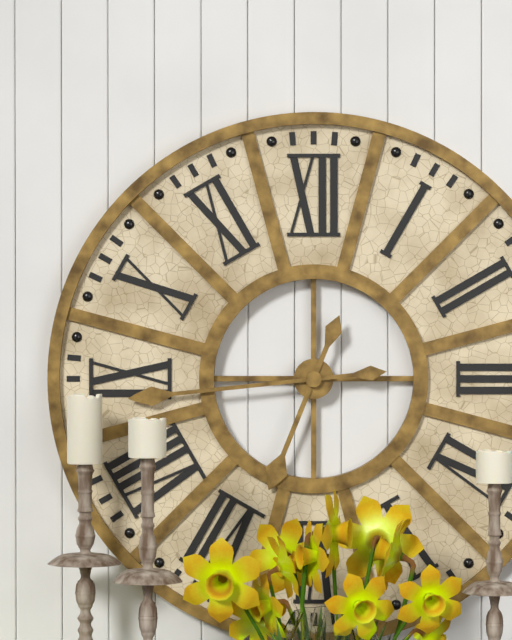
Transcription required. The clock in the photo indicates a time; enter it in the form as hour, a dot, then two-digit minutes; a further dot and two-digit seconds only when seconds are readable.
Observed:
6.44
